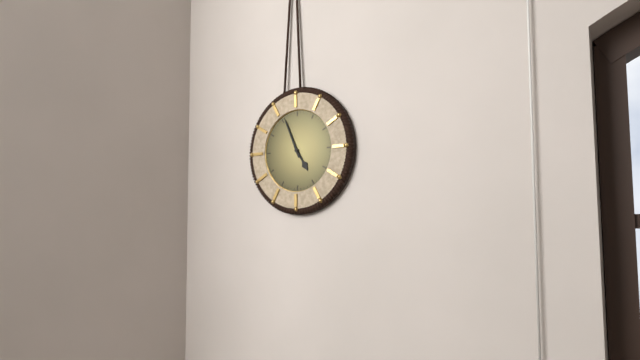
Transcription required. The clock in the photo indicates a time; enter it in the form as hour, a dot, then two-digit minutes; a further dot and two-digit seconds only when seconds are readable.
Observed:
4.56
